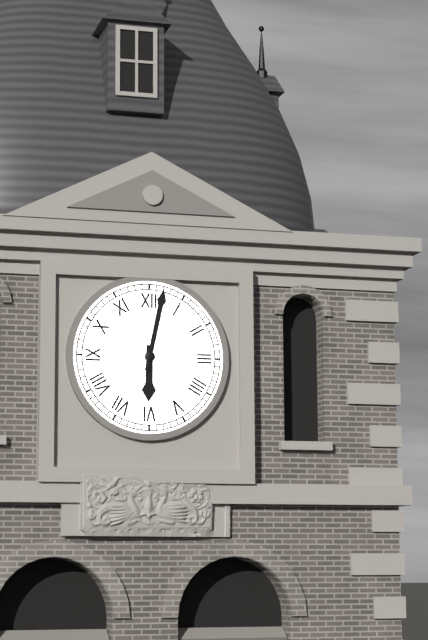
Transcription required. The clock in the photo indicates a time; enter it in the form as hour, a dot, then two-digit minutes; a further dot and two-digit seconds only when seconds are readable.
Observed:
6.02
